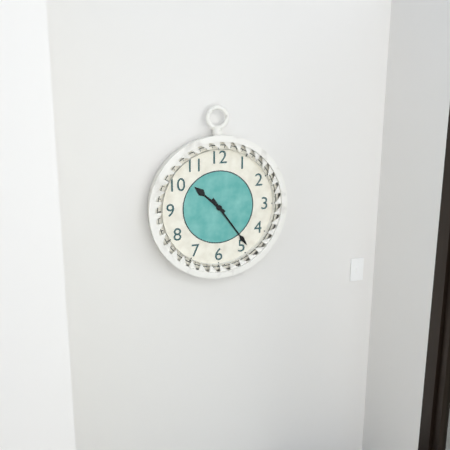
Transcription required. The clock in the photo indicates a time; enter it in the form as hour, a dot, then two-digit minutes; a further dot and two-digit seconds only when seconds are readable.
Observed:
10.24
